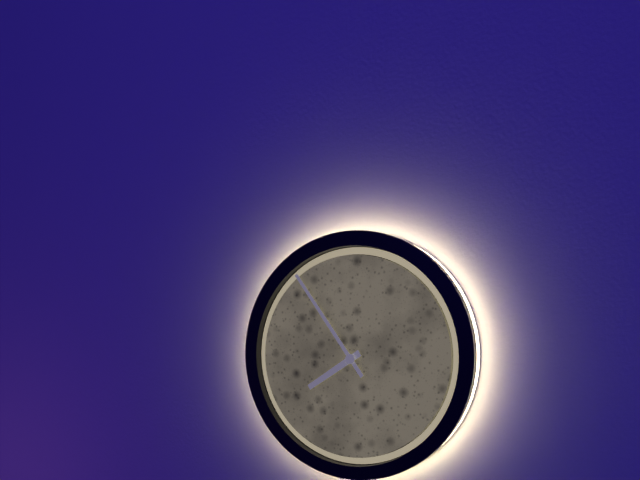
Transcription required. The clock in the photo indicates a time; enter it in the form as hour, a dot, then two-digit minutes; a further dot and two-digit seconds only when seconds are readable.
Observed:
7.54
